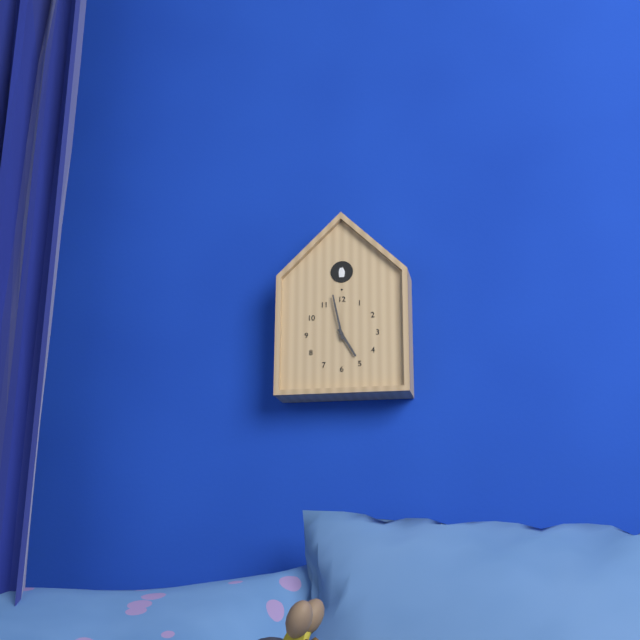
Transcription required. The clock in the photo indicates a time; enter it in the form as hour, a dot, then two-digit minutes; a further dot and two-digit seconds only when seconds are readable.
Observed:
4.58
